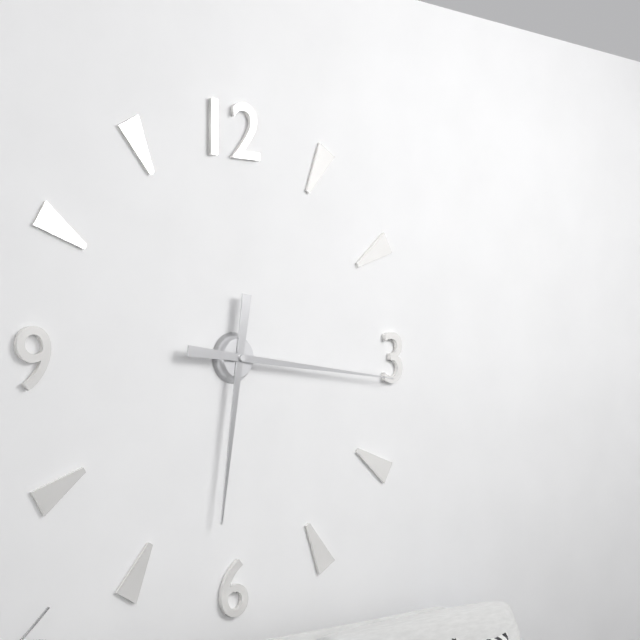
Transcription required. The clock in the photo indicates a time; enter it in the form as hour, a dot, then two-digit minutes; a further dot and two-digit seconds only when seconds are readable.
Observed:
6.16
